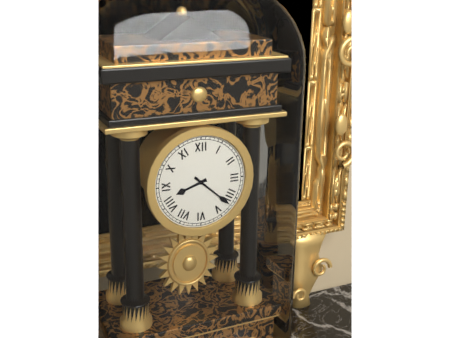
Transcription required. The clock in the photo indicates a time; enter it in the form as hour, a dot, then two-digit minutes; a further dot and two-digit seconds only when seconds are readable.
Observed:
8.22
